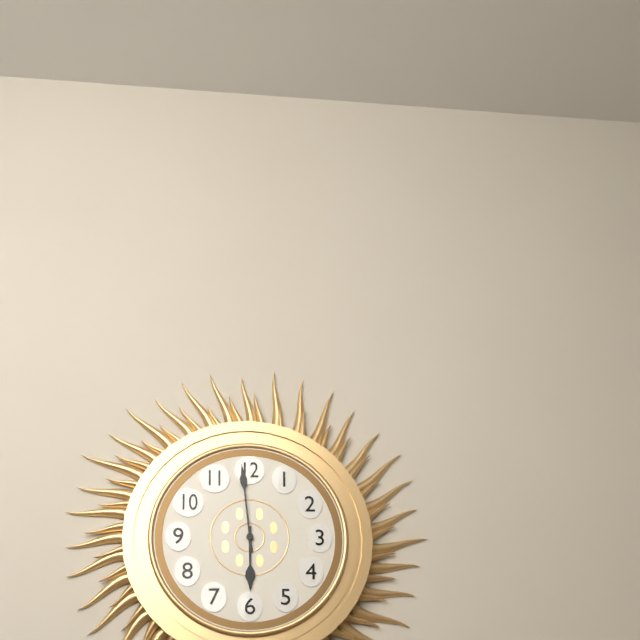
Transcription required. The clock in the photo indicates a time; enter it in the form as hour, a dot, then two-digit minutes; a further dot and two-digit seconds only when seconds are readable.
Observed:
5.59
